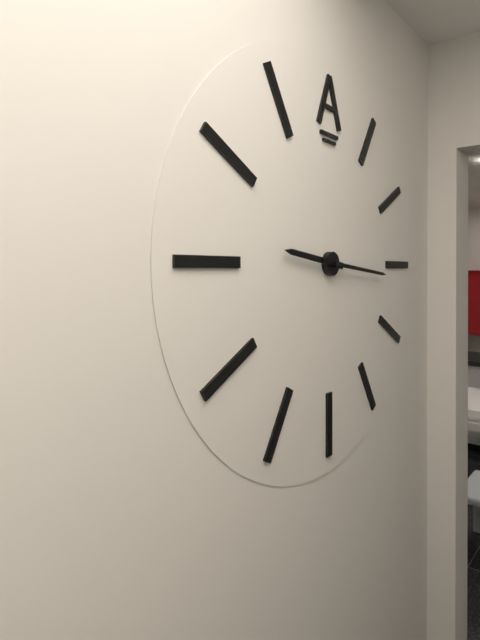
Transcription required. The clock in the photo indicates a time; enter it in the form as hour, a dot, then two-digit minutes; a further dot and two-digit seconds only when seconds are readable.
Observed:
9.16
